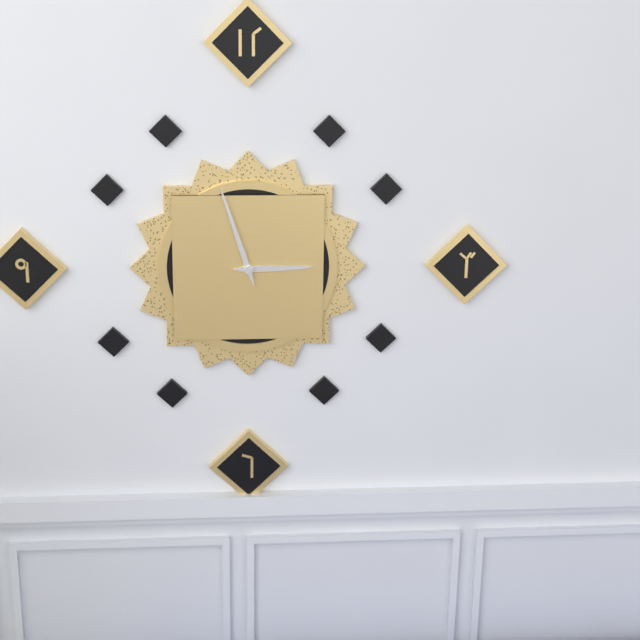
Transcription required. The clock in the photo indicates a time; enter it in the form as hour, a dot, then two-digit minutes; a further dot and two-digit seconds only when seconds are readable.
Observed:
2.57
